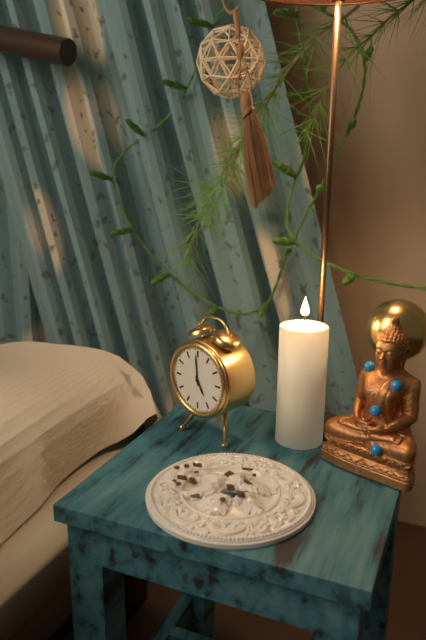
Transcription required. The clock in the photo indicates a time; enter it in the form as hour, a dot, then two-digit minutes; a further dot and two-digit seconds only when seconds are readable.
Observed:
4.59
